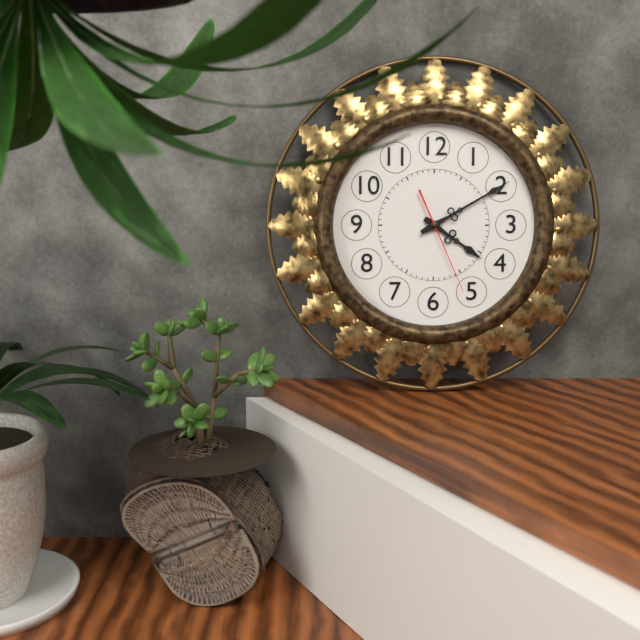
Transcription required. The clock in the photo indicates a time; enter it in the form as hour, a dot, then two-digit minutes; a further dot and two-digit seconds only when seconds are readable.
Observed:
4.10.26
